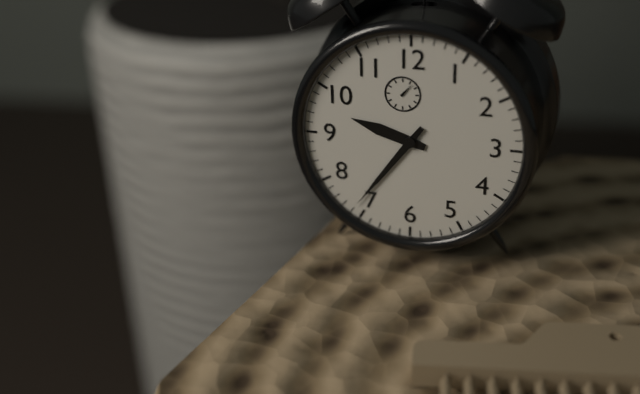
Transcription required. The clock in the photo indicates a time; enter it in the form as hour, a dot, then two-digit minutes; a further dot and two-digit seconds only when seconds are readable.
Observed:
9.36
